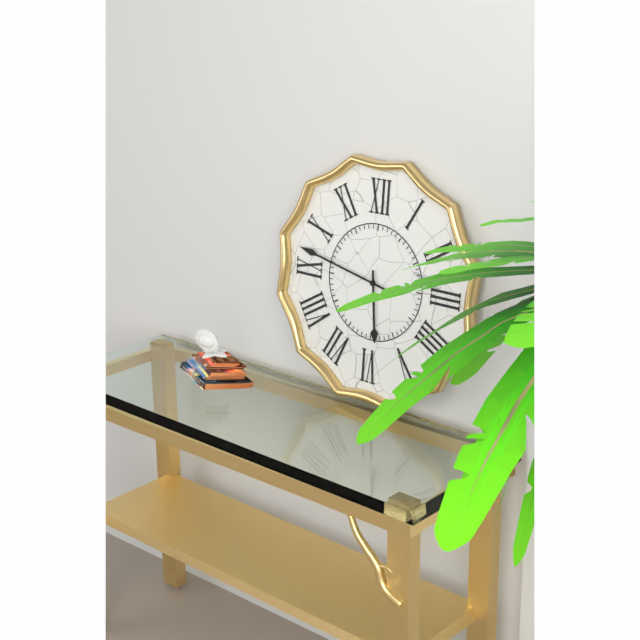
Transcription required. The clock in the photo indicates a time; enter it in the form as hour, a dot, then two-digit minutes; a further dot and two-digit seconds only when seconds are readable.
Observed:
5.47
